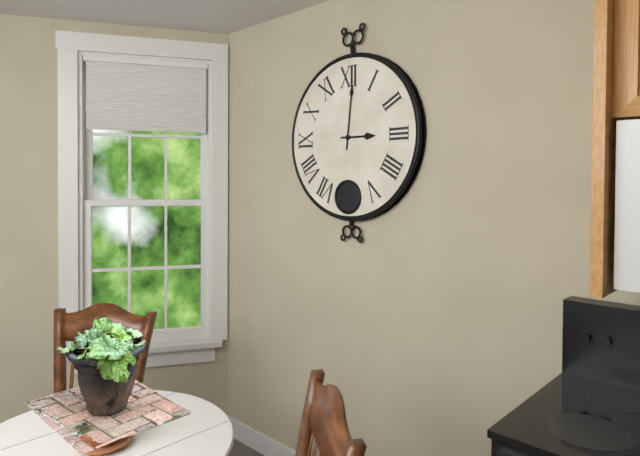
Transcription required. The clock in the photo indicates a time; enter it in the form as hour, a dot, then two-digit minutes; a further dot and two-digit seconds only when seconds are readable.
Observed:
3.01
